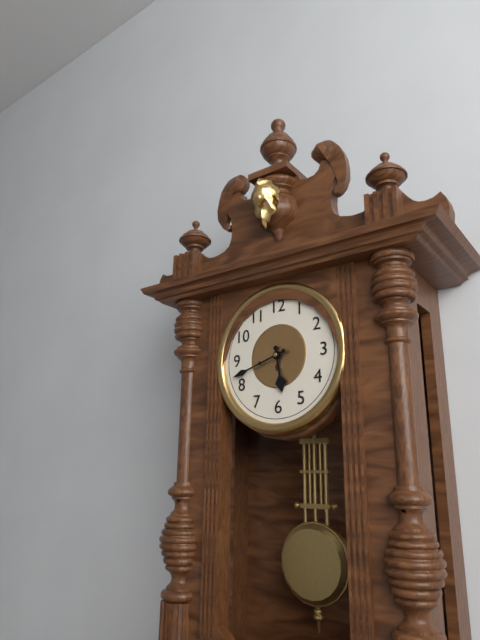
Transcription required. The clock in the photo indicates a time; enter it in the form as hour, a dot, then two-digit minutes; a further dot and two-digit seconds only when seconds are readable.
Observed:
5.42
